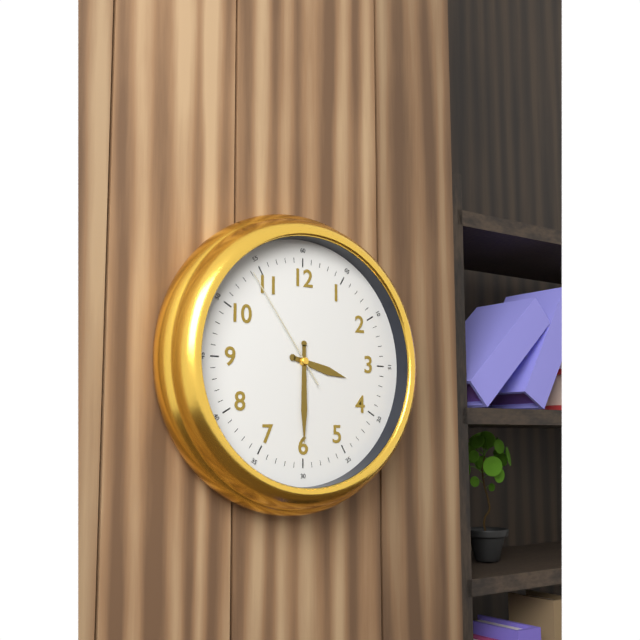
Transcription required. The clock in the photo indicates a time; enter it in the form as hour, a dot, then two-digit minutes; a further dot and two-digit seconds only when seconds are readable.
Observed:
3.30.54
